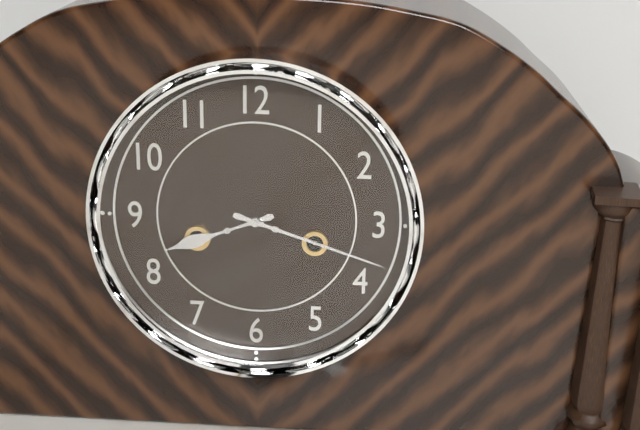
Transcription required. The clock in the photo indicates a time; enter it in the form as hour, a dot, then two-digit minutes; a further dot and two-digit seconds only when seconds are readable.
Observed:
8.18
